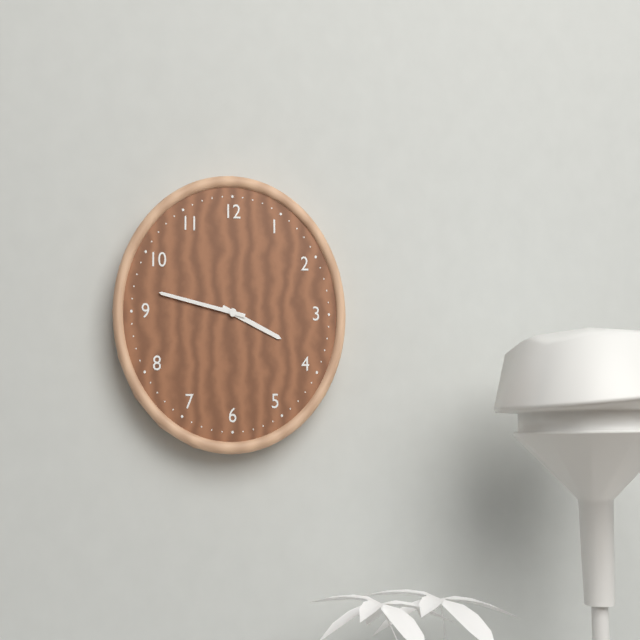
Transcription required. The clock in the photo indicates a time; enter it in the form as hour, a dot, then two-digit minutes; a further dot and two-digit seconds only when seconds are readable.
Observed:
3.47
